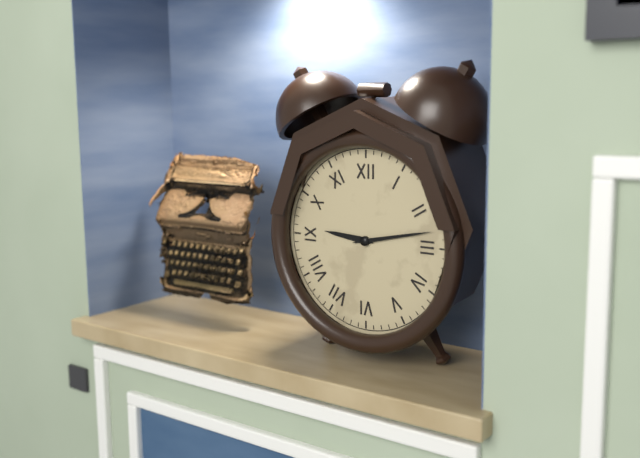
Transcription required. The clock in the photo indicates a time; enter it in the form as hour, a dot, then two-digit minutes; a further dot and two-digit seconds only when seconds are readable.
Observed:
9.13
